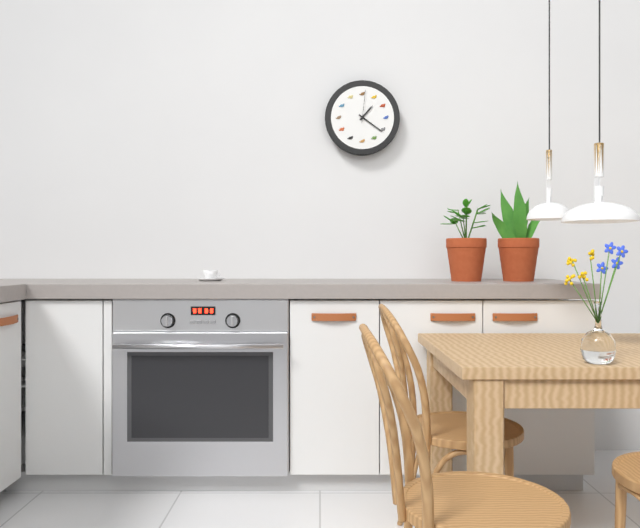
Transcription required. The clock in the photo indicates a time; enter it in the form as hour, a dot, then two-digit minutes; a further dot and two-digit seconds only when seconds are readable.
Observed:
1.21
